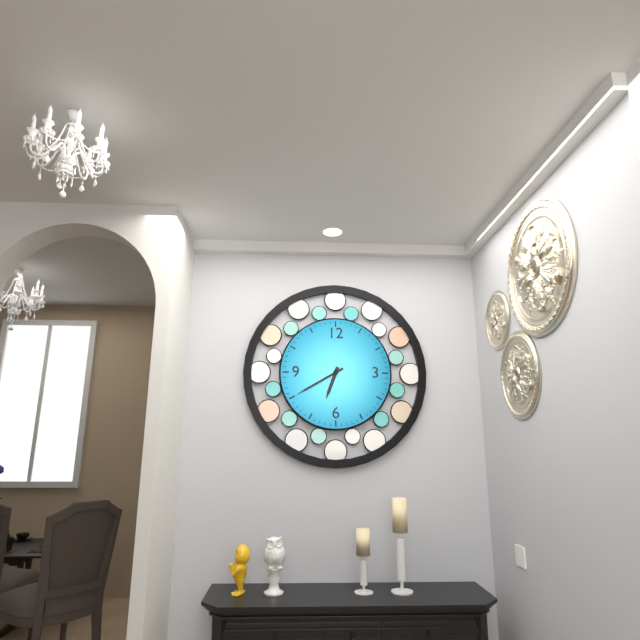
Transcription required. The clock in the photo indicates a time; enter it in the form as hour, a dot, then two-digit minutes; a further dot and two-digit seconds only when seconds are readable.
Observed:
6.40
